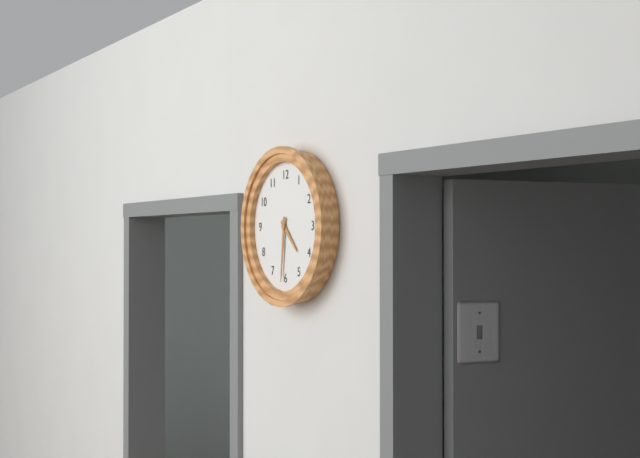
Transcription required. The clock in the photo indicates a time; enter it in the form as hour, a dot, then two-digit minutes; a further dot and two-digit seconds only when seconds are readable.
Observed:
4.31
